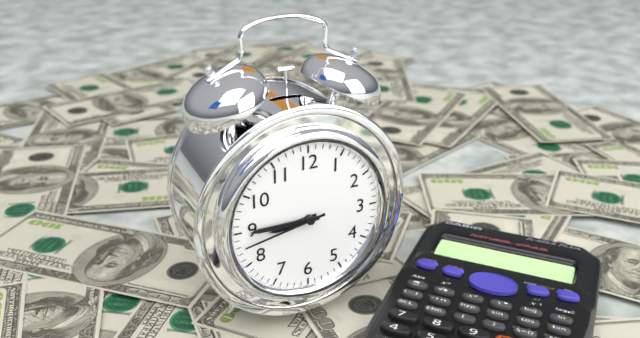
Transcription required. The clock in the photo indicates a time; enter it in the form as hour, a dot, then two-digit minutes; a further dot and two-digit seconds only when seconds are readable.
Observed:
8.45.43
